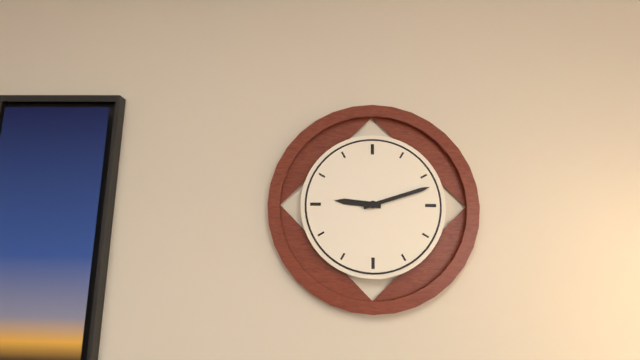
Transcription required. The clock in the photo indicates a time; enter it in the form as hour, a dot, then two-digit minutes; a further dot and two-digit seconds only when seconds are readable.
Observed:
9.12
